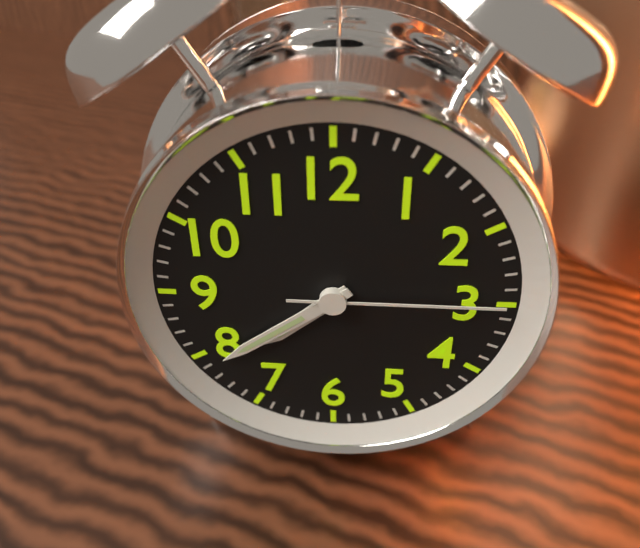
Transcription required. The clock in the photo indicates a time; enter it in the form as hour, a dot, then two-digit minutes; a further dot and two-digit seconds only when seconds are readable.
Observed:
7.39.15
